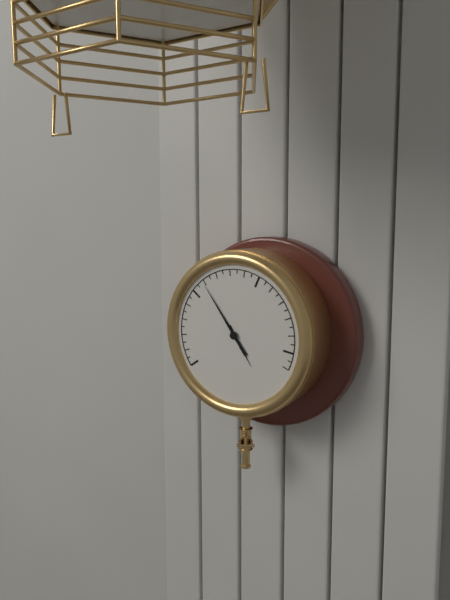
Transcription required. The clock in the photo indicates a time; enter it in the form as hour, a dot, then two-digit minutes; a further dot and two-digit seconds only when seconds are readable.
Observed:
4.54
